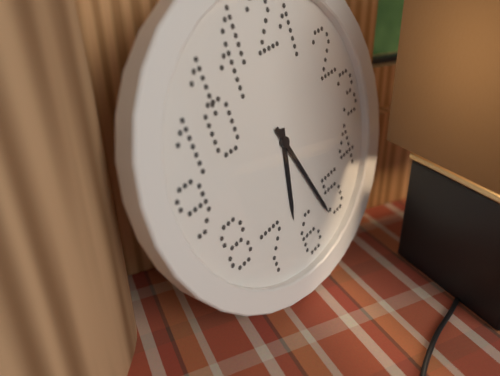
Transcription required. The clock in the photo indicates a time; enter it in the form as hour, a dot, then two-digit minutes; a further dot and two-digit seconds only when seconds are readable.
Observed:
6.27
